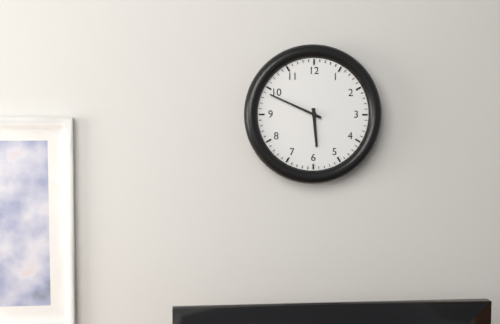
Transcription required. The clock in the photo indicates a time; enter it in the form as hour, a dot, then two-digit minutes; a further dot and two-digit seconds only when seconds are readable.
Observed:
5.49
